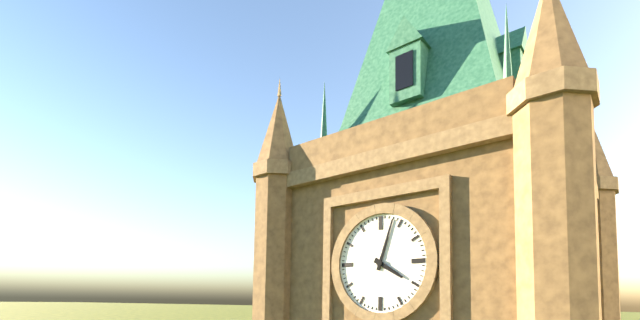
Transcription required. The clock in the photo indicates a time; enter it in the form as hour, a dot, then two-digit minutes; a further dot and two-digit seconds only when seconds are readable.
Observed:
4.03
